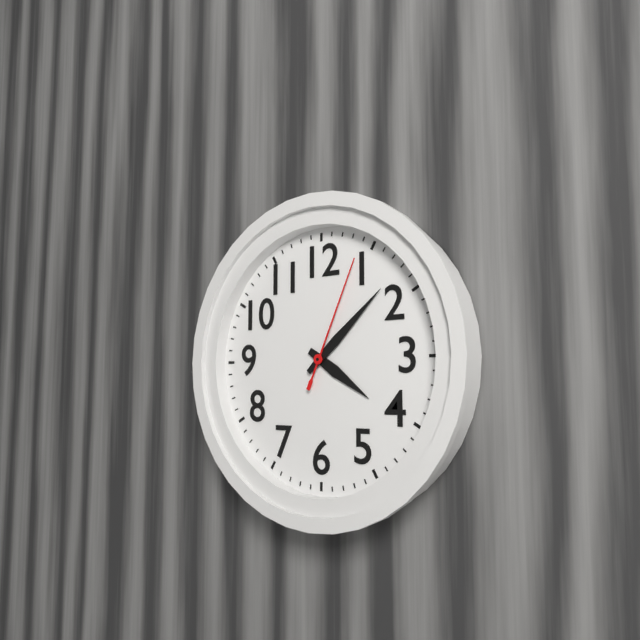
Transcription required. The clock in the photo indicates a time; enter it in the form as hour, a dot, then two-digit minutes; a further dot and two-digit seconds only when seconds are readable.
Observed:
4.08.04
